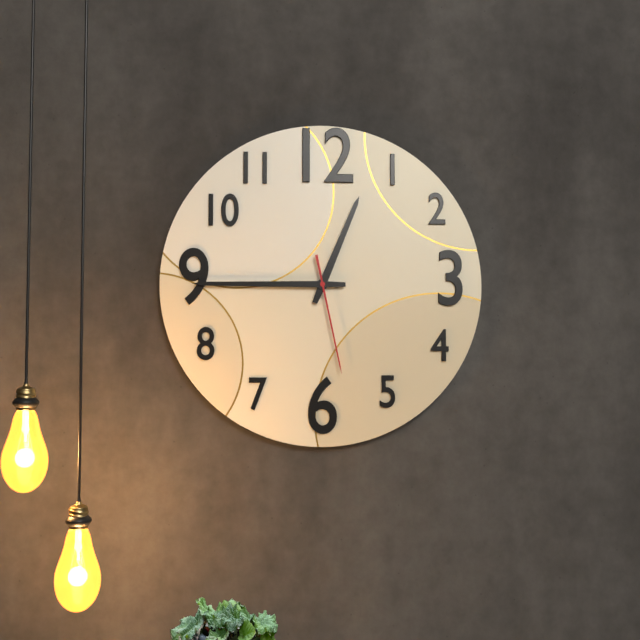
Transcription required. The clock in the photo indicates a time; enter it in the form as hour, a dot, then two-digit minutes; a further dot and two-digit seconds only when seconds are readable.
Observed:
12.45.28
